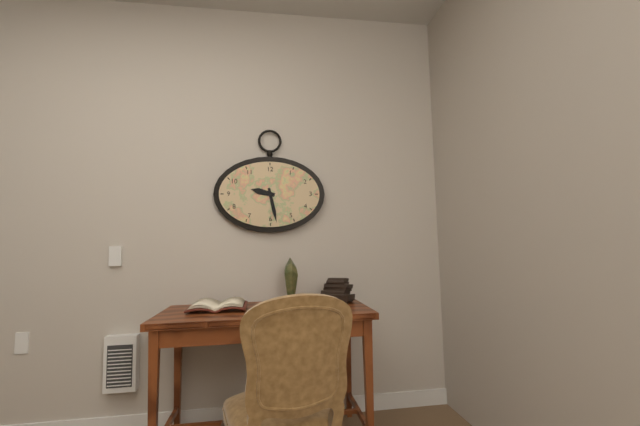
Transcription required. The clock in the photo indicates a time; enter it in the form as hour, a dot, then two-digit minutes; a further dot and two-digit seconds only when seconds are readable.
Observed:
9.28
